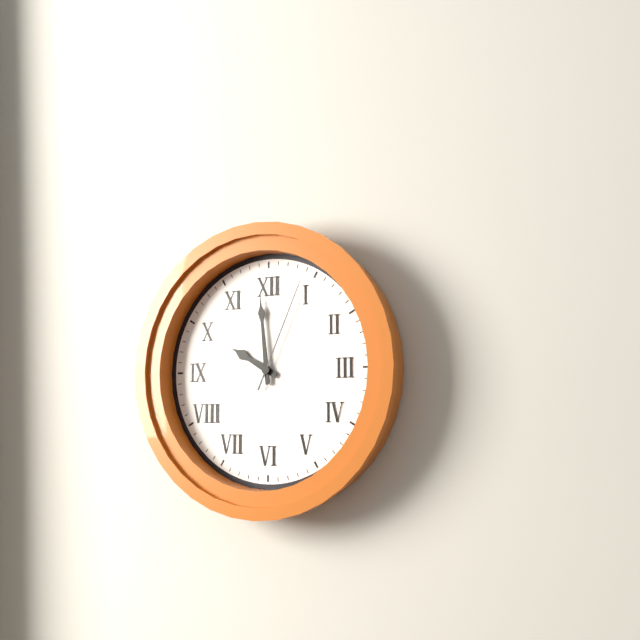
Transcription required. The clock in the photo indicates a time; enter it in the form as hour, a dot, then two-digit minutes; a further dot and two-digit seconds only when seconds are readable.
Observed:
9.59.04
